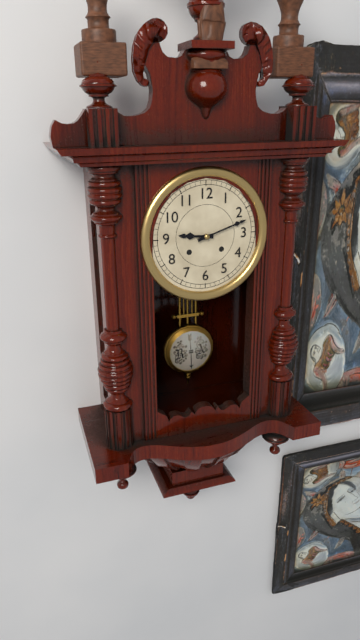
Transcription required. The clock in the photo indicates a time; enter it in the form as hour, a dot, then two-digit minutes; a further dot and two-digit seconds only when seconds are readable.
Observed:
9.12
